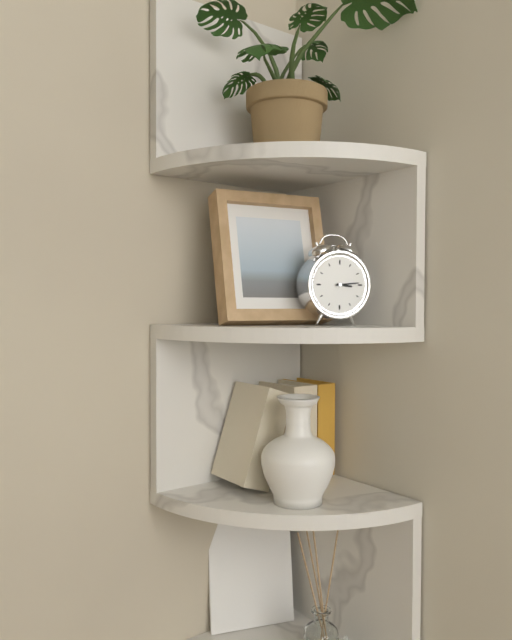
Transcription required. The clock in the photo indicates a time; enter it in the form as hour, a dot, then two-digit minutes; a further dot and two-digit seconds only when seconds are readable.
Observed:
3.14
